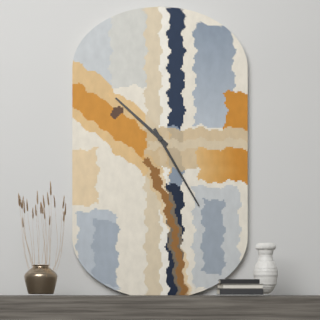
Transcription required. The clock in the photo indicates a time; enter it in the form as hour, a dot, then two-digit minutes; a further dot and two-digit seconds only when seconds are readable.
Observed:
10.25
